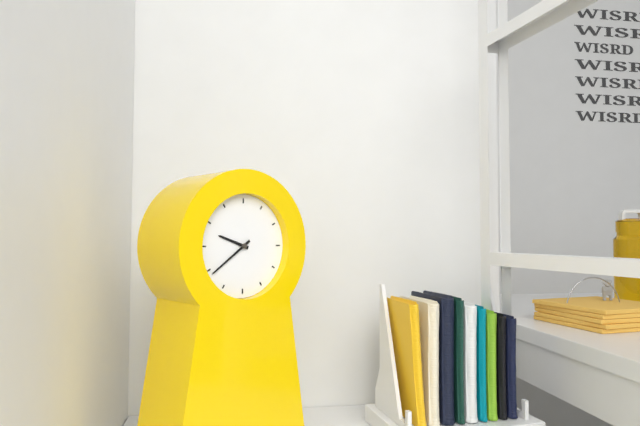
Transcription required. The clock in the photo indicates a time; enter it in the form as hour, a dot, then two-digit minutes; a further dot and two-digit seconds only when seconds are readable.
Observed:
9.39
